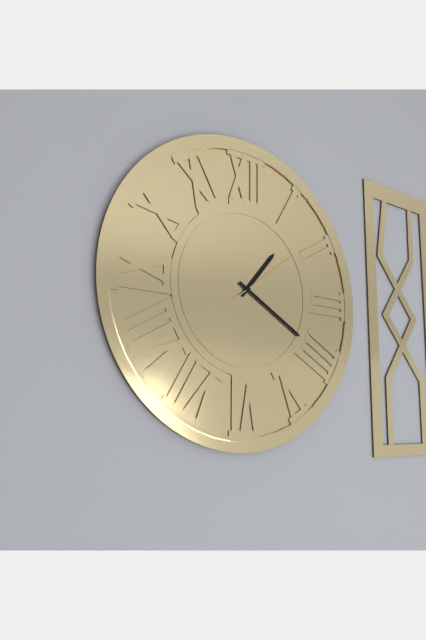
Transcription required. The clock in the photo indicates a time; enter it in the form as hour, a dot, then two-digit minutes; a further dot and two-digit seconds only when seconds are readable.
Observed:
1.20.09
